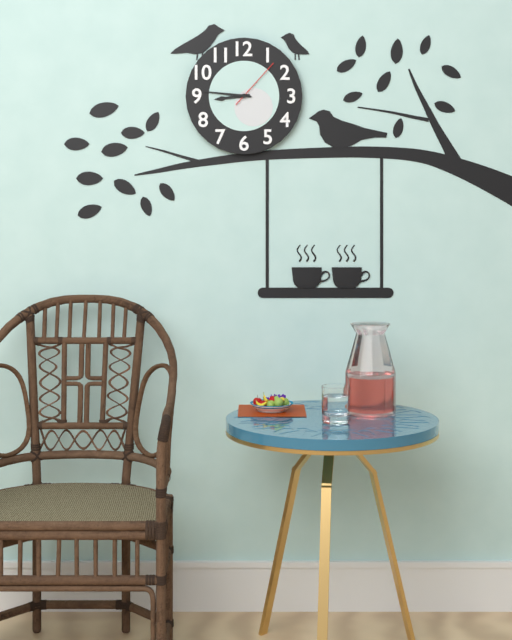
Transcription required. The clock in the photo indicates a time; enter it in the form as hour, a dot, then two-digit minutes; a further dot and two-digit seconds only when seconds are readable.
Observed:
8.46.07
